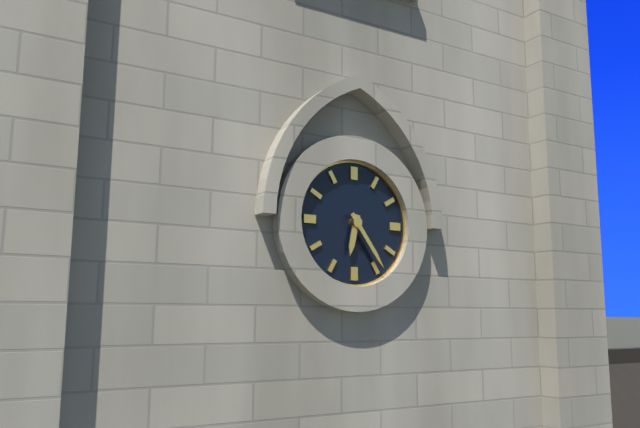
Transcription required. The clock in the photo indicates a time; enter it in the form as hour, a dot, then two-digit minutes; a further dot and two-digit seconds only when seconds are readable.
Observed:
6.24
